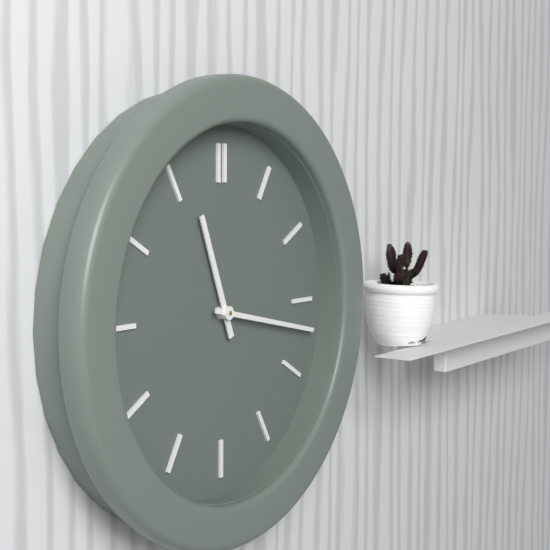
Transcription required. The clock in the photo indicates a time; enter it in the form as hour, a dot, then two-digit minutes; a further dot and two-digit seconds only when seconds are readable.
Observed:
11.17
